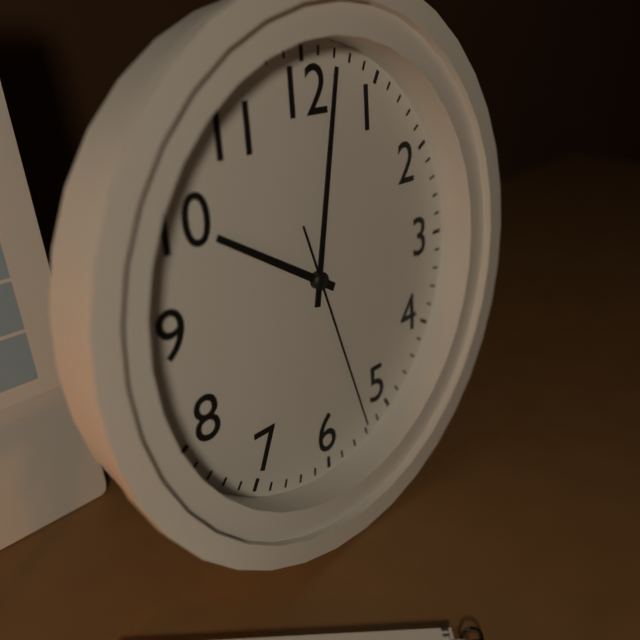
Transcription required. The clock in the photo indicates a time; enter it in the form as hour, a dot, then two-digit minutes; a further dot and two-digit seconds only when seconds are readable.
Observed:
10.02.27
